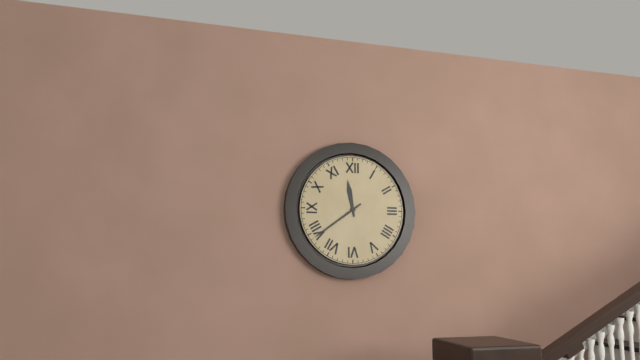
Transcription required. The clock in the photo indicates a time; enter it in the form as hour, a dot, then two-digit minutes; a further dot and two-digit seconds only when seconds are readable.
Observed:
11.39
